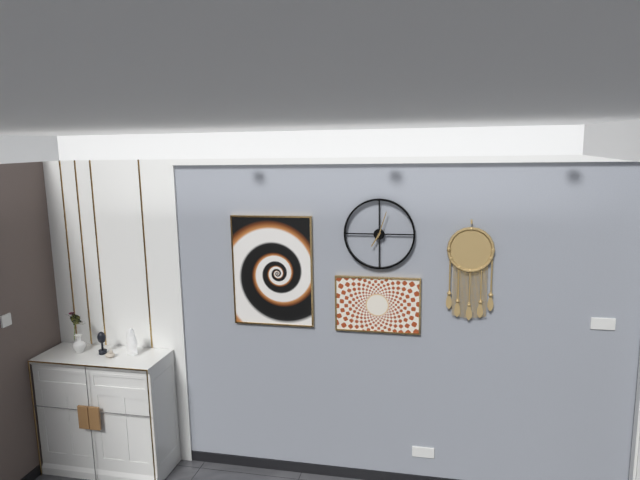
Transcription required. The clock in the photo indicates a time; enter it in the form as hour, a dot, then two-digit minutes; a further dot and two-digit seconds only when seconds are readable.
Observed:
7.03
